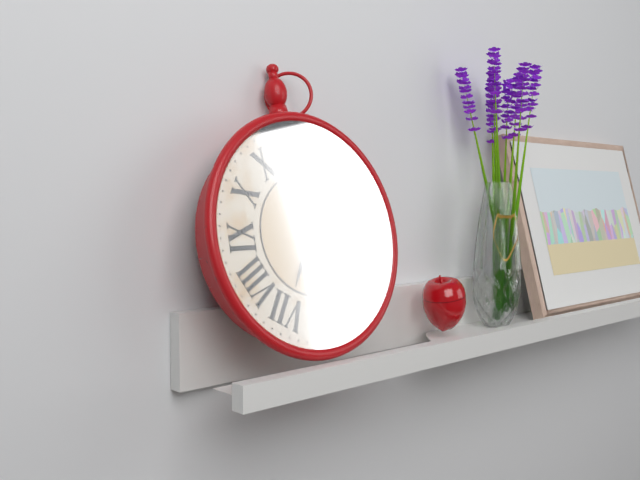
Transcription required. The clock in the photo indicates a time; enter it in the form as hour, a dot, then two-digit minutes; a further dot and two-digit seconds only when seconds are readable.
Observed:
7.00
